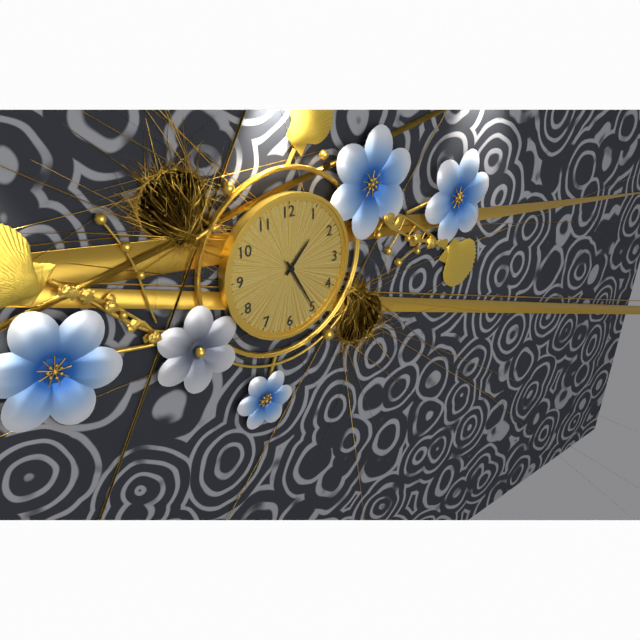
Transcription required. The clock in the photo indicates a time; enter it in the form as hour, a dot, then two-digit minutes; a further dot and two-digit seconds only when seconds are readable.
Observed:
1.25
